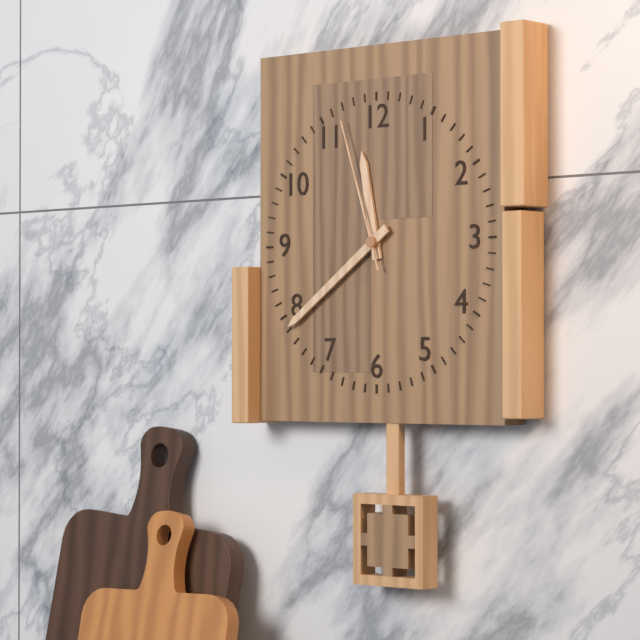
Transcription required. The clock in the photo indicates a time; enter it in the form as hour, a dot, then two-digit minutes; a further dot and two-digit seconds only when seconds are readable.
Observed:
11.39.57
